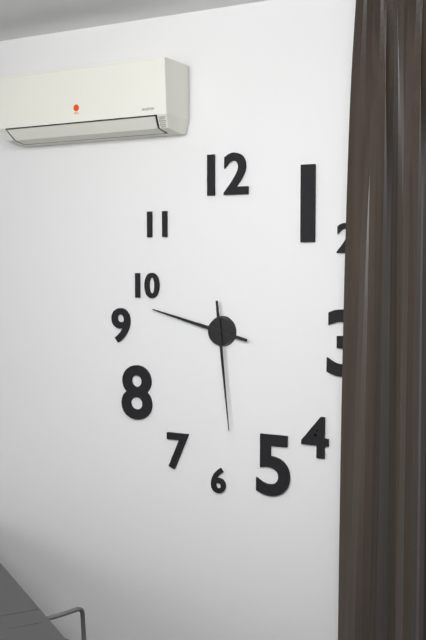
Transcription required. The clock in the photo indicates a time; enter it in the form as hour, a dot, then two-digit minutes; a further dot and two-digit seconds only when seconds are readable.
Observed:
9.29
